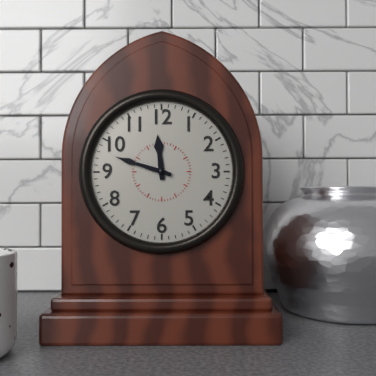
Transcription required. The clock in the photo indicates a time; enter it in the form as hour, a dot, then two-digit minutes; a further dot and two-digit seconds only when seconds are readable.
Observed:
11.48
